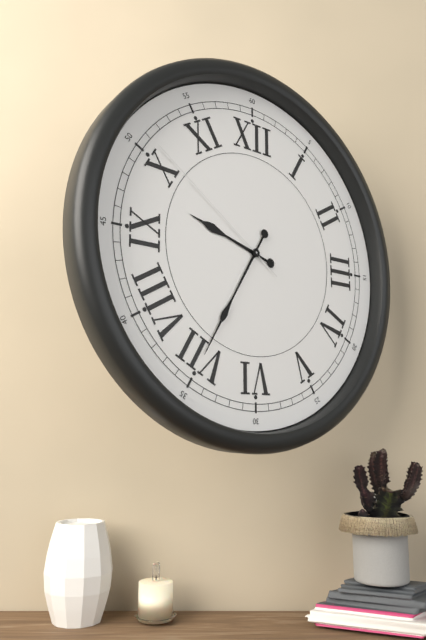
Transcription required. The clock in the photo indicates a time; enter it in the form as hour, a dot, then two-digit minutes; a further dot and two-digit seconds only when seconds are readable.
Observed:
9.35.51
